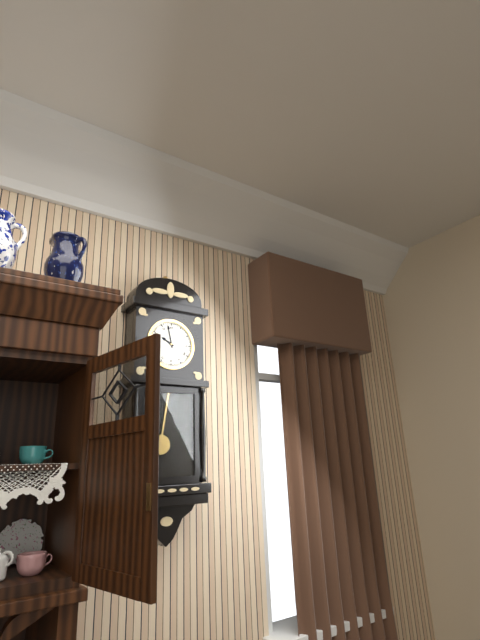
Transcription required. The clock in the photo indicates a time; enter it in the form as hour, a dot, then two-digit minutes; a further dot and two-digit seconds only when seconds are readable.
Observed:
9.58
